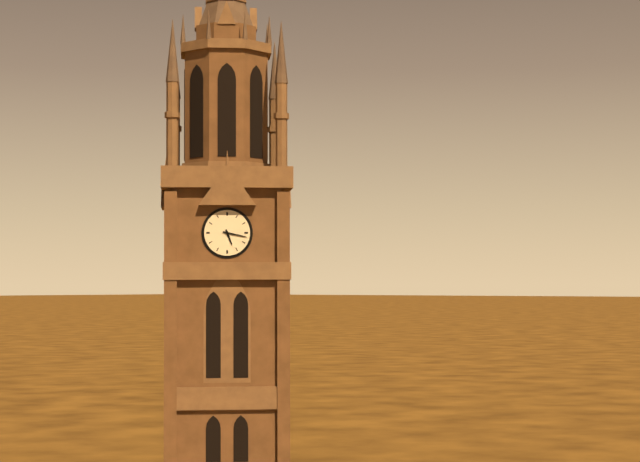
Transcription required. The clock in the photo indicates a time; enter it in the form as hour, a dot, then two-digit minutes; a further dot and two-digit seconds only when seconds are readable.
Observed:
5.17
